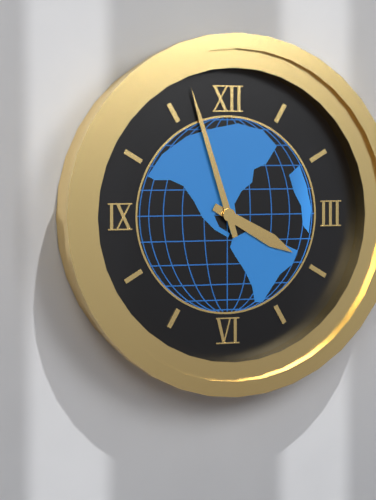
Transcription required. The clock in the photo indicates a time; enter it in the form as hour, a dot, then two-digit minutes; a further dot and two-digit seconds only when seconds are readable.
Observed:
3.57
